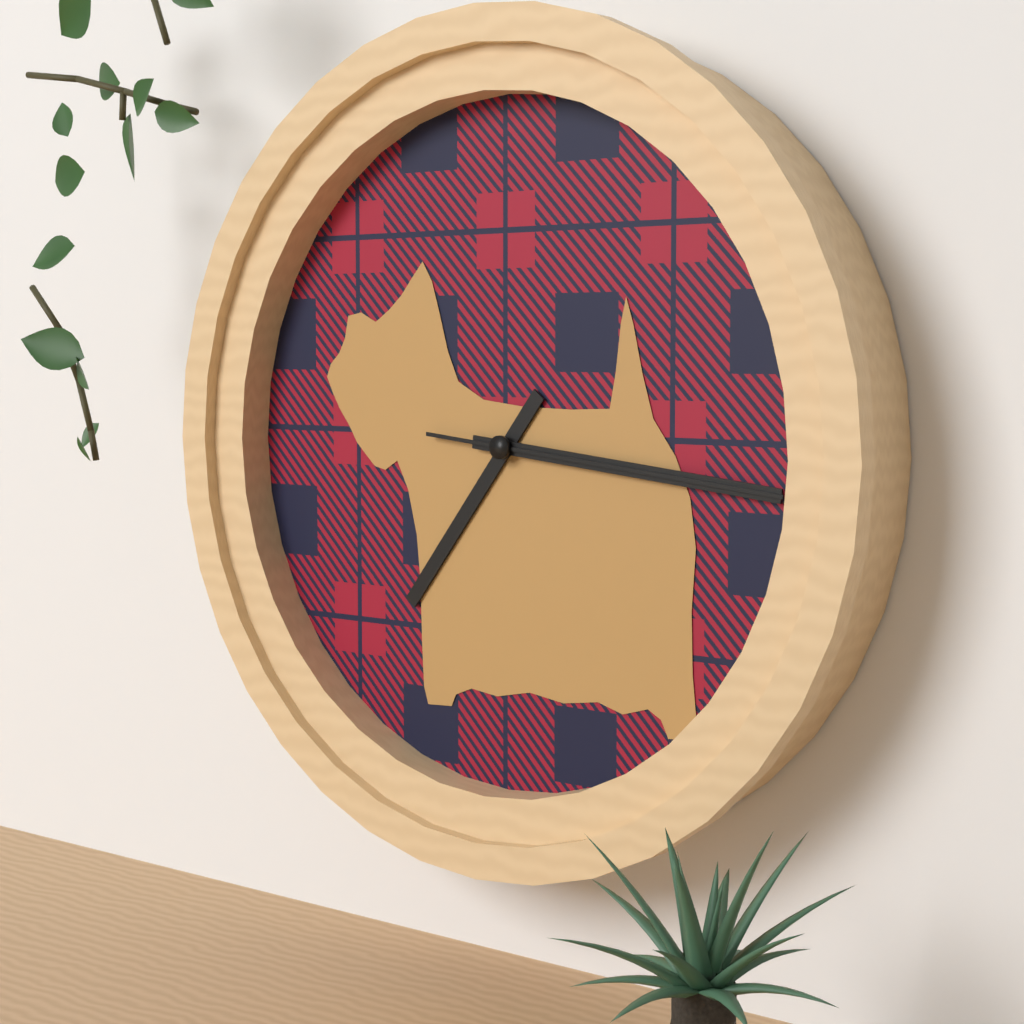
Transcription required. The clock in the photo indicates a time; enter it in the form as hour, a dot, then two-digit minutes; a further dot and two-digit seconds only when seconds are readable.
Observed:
7.16.16
